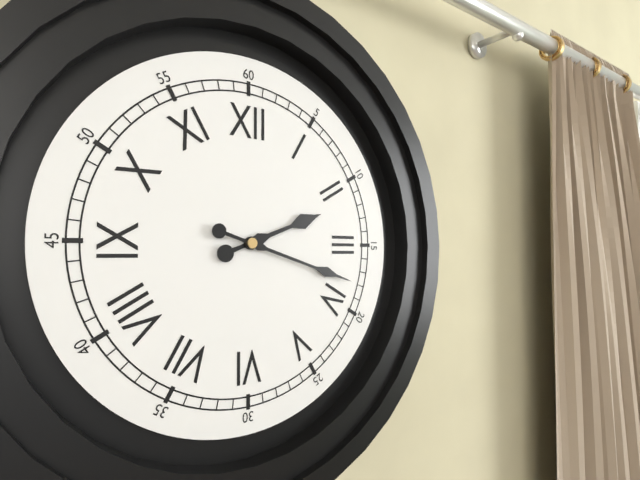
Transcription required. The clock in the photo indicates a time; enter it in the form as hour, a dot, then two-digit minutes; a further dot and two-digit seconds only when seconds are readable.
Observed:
2.18
